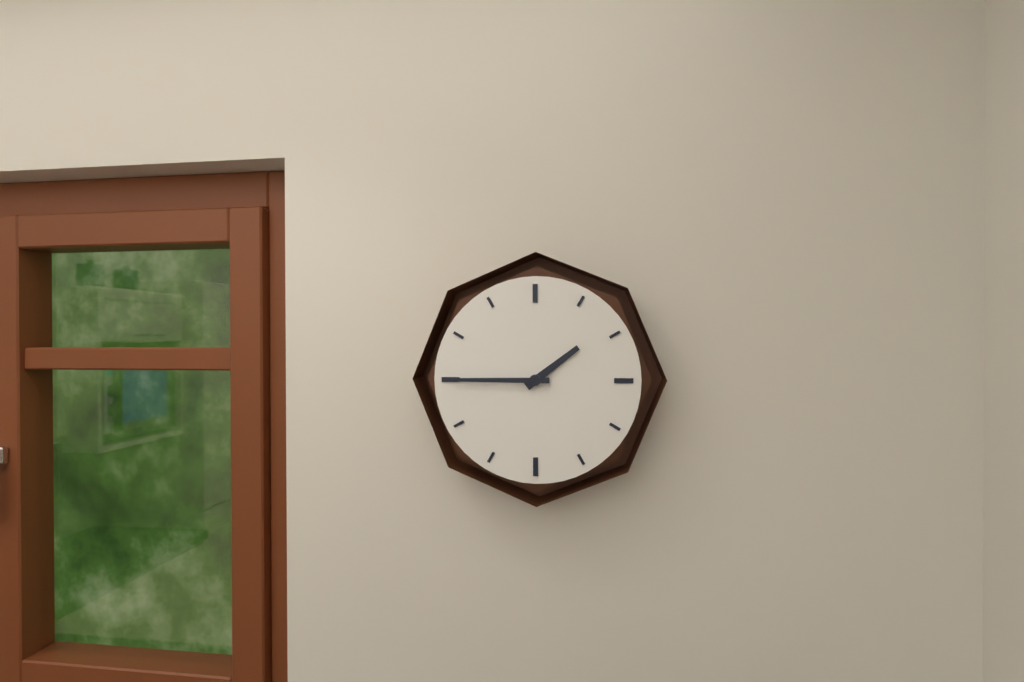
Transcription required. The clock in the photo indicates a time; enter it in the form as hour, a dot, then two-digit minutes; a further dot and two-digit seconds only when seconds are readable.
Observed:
1.45
